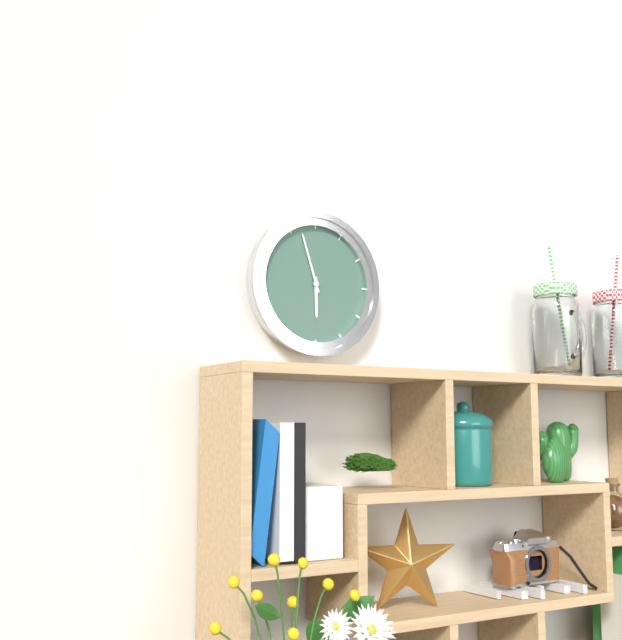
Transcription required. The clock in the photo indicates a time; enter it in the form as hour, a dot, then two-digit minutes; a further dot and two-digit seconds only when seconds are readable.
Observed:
5.57
